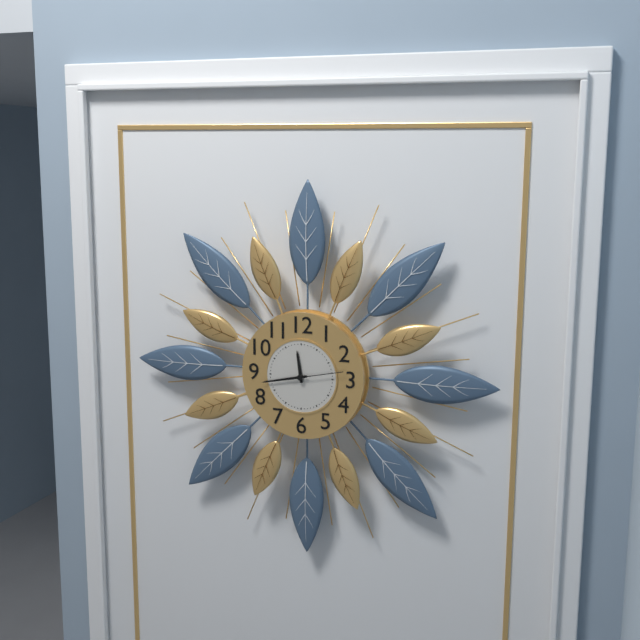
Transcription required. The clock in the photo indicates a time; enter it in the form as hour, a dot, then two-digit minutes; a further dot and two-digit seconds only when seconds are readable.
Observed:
11.43.13
